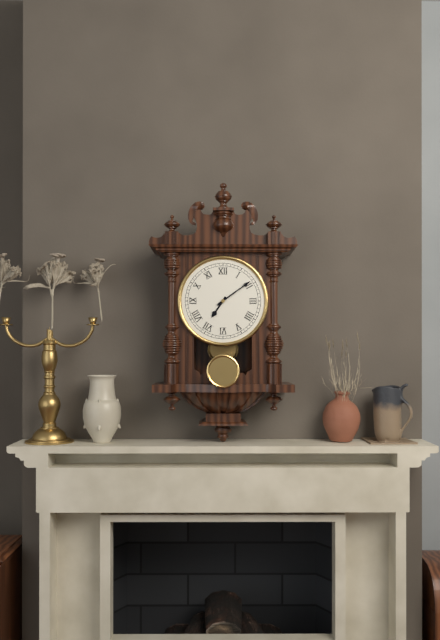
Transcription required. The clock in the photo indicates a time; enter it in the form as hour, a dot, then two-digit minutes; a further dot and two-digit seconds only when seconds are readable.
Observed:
7.09
